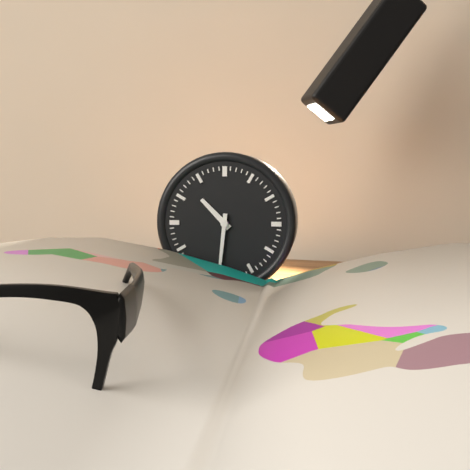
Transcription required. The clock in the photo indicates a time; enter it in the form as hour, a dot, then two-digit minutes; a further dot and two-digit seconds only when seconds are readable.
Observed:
10.31
